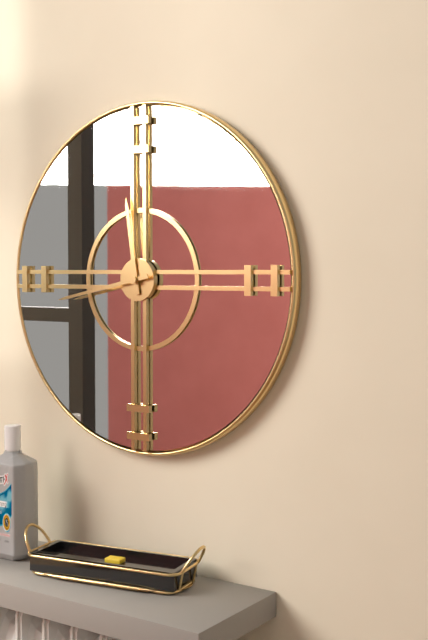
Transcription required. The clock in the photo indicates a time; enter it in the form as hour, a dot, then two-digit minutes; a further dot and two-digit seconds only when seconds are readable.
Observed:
11.43
